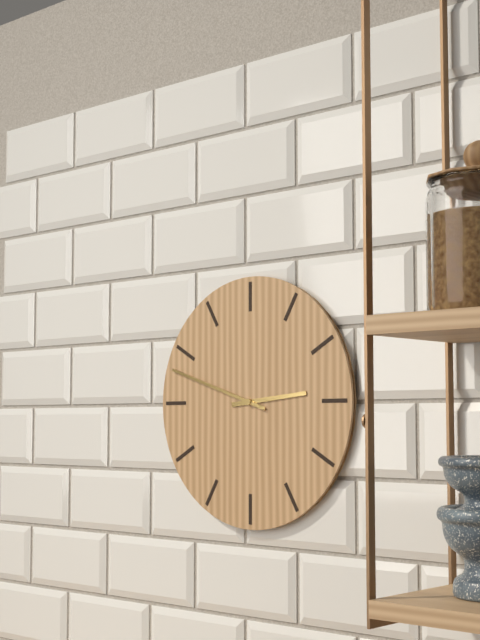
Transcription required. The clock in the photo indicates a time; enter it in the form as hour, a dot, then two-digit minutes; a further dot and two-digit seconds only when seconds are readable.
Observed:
2.48
